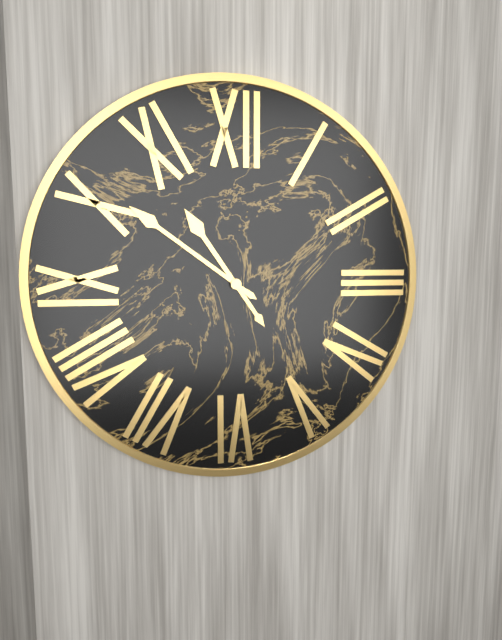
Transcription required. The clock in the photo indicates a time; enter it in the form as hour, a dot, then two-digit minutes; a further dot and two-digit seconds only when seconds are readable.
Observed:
10.51
